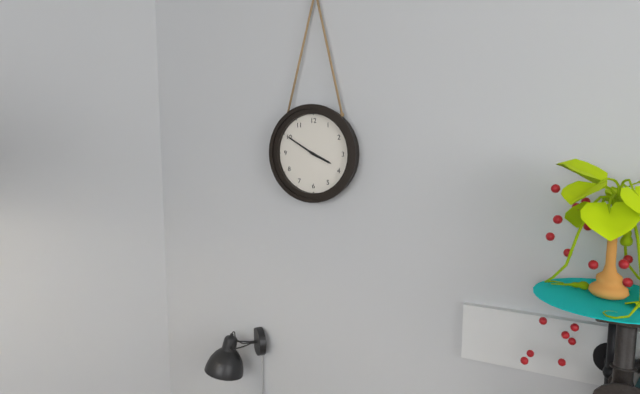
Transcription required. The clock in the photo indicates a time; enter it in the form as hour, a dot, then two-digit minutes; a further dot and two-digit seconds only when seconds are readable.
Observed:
3.50
